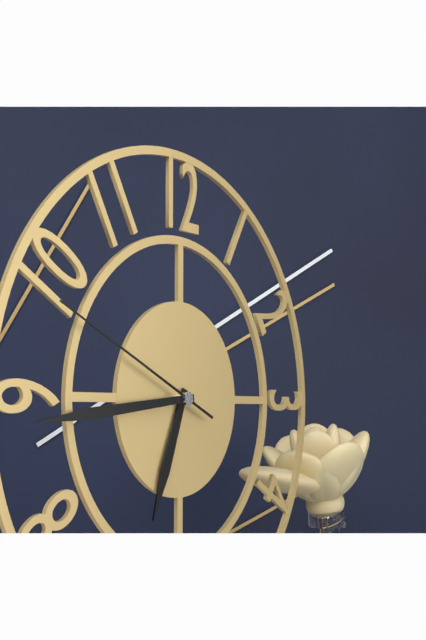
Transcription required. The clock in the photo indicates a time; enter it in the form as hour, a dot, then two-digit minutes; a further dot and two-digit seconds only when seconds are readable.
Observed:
6.44.49
